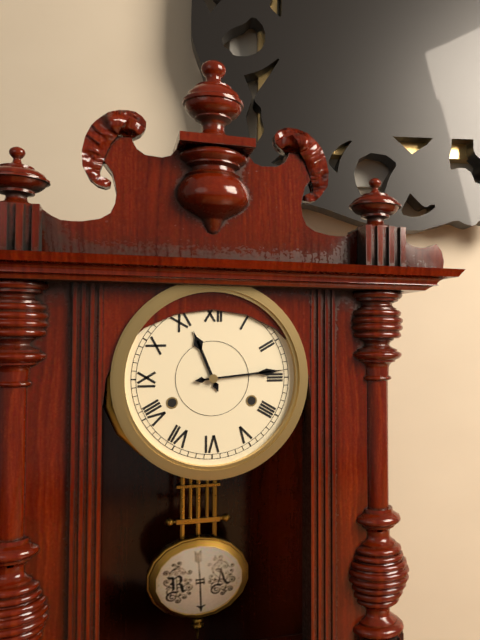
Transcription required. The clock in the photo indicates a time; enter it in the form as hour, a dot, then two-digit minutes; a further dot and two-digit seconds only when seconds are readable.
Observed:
11.14
